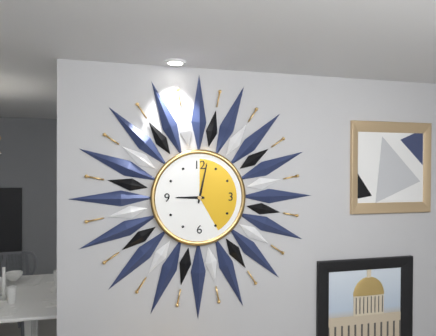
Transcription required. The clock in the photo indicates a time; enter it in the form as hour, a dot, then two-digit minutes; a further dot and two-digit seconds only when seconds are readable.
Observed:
9.02
